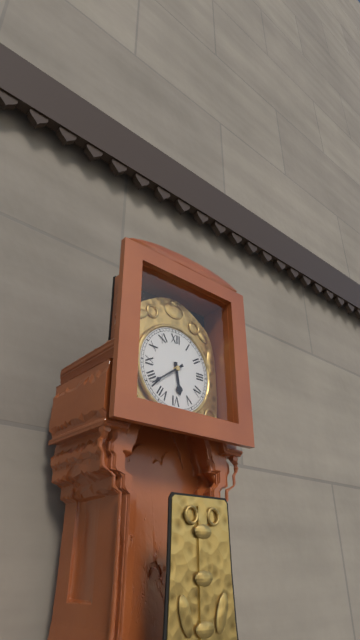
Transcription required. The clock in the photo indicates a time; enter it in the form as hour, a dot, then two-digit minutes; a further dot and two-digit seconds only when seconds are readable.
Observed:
5.39
